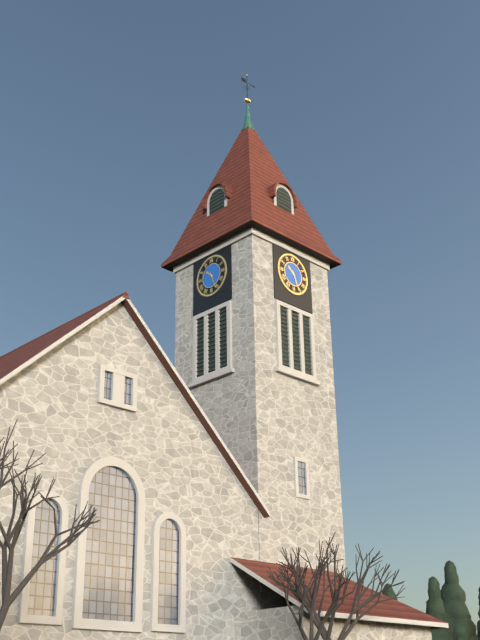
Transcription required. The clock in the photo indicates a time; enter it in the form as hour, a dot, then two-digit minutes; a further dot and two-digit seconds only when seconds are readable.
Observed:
10.26
